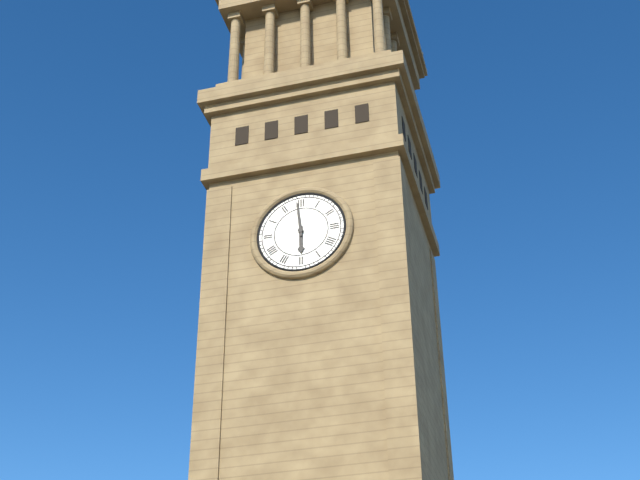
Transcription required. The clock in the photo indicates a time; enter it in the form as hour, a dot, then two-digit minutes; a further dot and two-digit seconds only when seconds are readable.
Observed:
5.59
